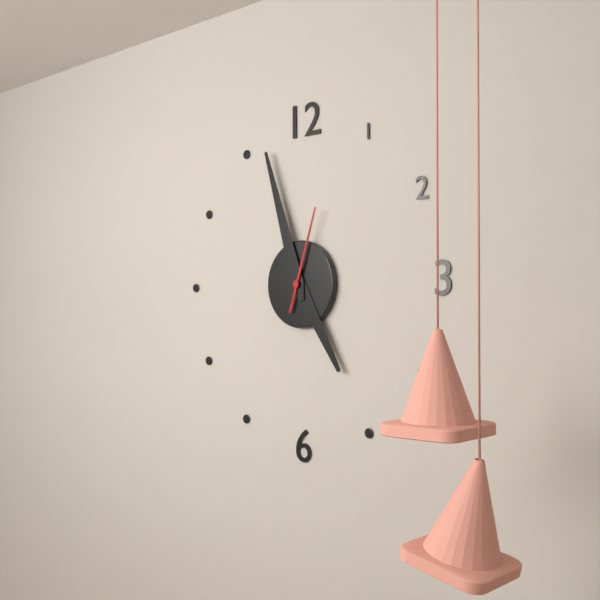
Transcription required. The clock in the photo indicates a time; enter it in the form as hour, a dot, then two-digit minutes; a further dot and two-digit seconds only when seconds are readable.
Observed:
4.57.03
